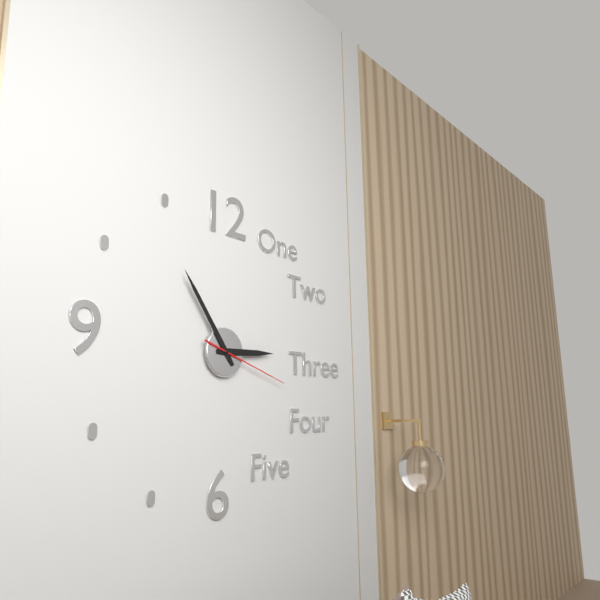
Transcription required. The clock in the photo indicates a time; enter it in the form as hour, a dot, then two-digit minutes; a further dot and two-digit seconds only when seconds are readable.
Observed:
2.54.18
